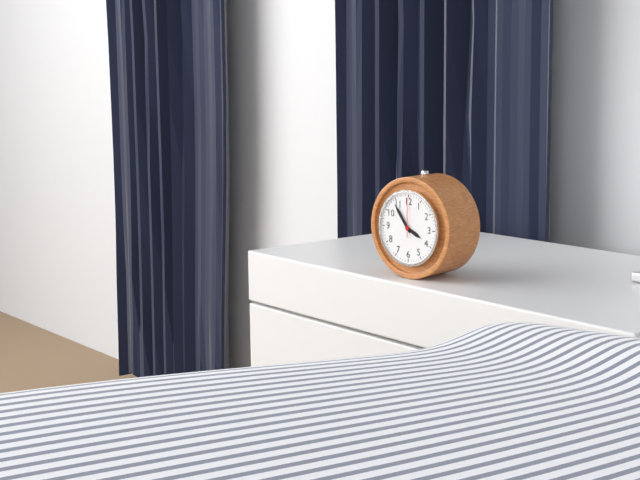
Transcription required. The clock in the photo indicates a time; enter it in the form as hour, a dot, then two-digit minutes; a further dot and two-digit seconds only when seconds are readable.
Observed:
3.54
